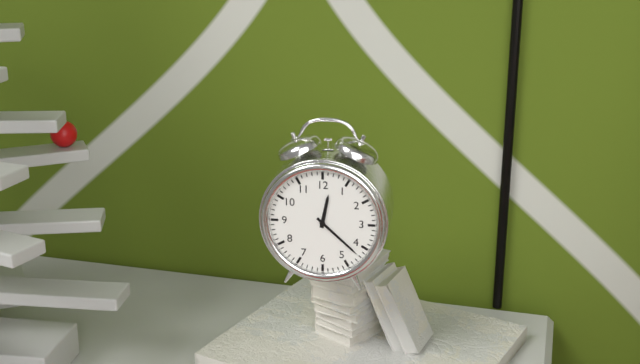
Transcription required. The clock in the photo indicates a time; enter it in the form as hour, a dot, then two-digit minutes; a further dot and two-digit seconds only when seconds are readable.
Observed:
12.22
